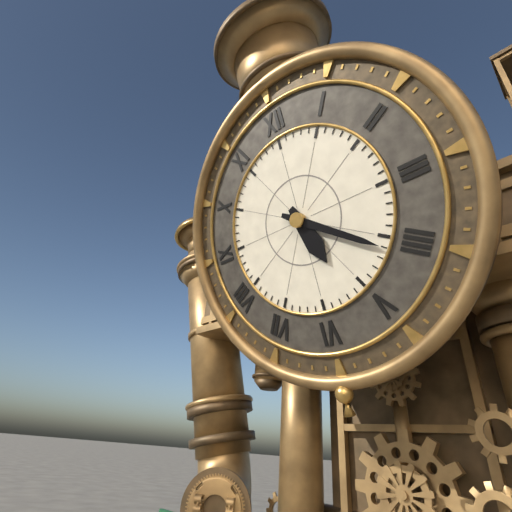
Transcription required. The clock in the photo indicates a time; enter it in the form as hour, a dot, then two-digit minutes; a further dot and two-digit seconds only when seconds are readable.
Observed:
5.21
